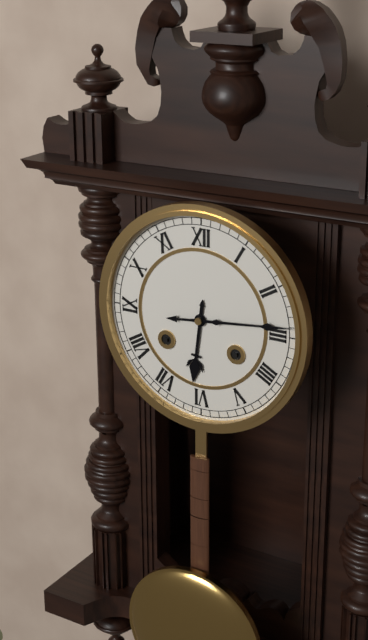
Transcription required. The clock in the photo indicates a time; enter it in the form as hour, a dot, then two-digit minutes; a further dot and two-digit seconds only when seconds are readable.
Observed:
6.14
